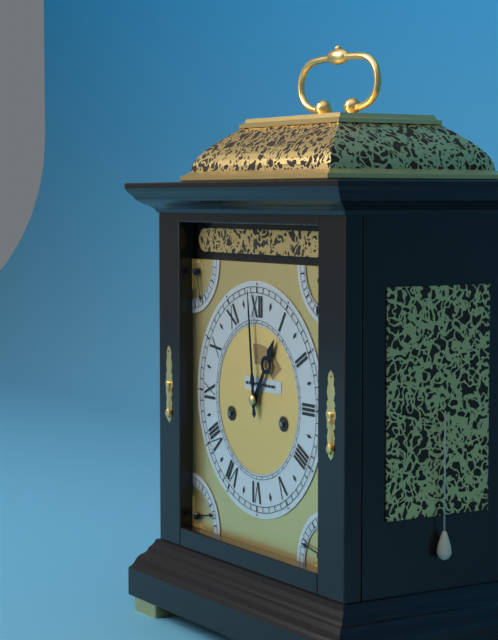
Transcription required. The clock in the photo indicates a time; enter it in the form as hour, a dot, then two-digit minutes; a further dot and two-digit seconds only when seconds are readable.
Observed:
12.59
